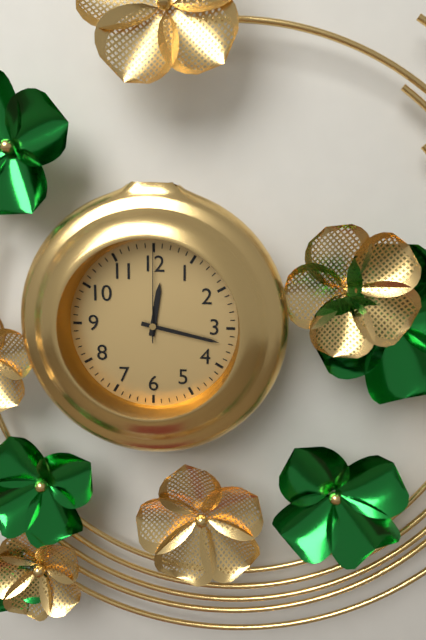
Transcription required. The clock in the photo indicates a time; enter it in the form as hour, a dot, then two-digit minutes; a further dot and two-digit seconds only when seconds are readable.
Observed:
12.17.00
